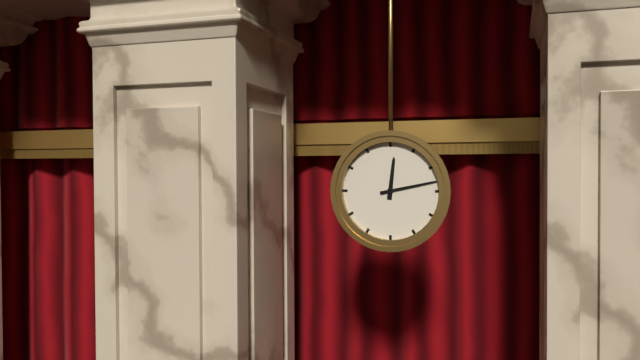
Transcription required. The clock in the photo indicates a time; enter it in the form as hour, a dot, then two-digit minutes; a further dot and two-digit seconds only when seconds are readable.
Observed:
12.13
